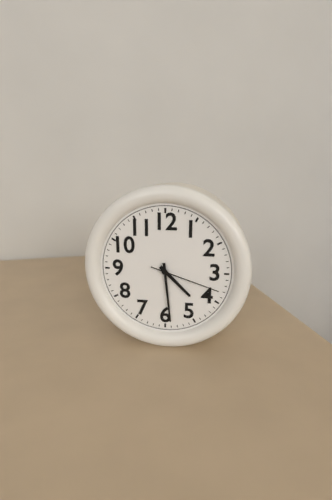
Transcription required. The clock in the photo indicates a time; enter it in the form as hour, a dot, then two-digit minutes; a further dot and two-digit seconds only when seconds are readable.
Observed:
4.29.18
